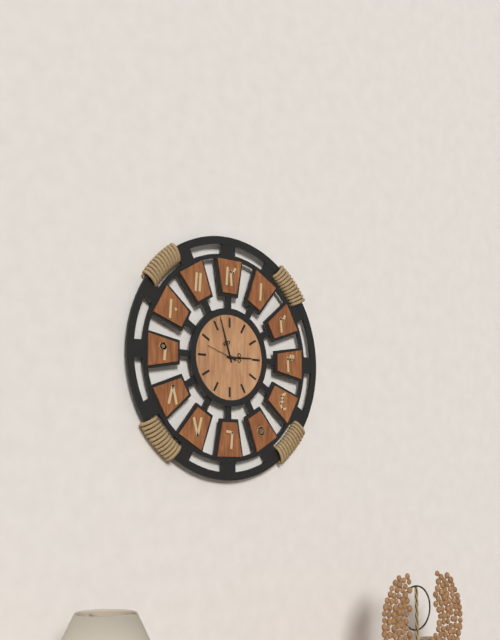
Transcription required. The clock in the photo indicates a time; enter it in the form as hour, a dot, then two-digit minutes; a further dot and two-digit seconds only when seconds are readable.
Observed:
2.57
